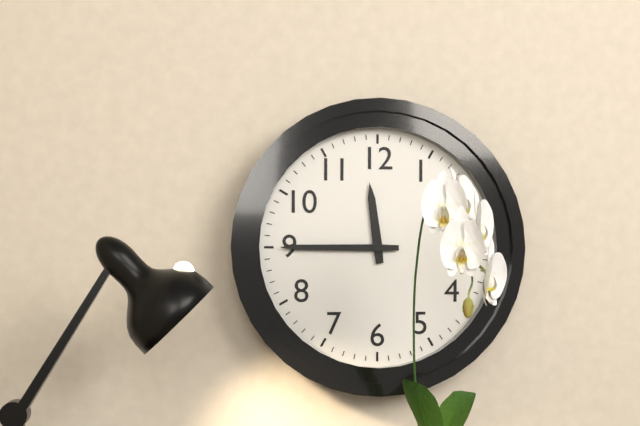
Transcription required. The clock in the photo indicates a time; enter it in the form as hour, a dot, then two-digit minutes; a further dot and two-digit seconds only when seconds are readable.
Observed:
11.45
